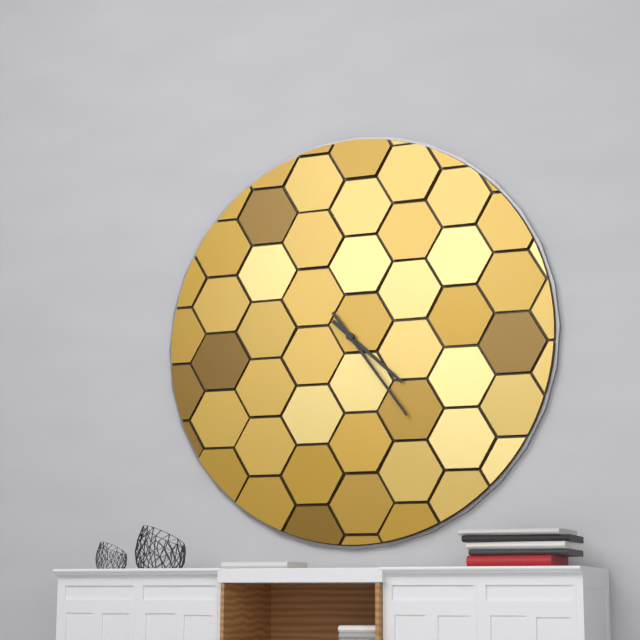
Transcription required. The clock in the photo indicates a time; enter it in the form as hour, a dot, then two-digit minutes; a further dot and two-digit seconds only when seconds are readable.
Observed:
4.24
